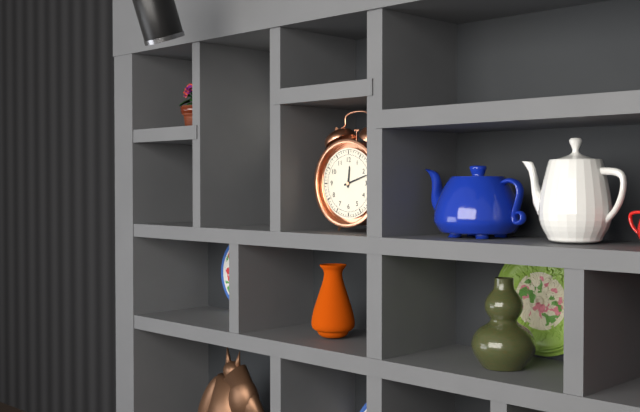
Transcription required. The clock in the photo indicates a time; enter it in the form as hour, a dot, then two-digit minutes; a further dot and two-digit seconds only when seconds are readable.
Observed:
12.12
